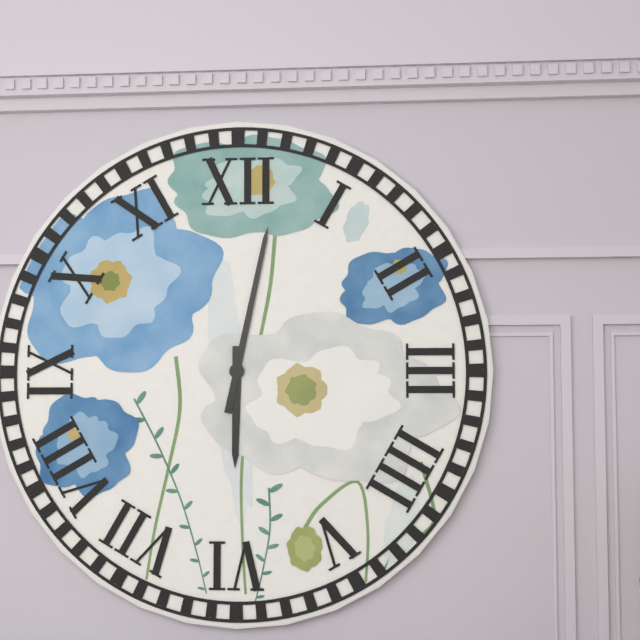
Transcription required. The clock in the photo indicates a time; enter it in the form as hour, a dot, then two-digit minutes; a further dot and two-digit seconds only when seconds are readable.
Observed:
6.02
